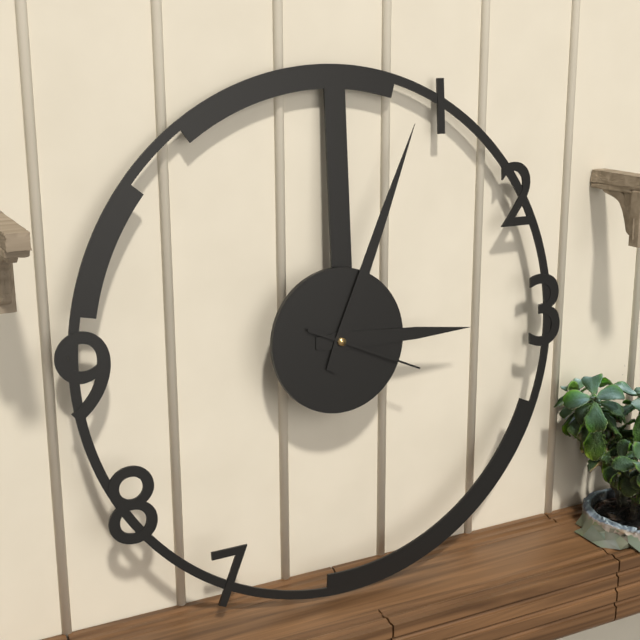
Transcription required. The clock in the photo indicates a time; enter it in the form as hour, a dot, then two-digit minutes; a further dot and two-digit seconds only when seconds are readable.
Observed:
3.04.19
